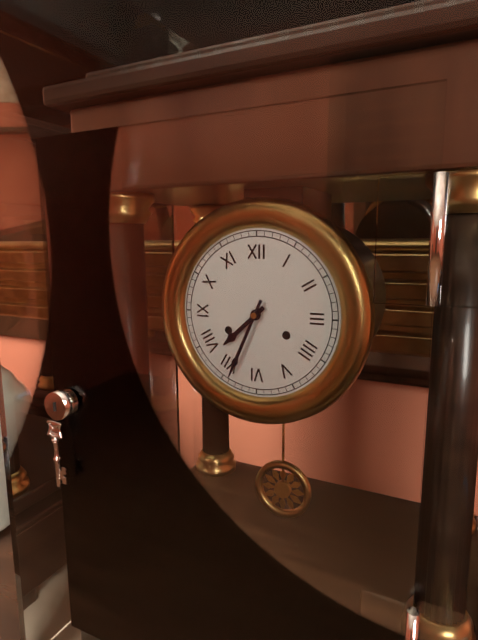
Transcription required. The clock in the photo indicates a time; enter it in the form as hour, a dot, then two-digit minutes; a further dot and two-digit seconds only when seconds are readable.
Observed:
7.34
